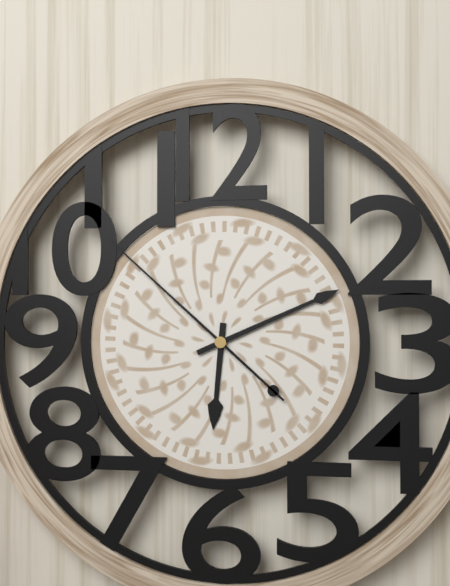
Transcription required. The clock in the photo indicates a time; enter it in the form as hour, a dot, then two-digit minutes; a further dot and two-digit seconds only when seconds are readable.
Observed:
6.11.52
